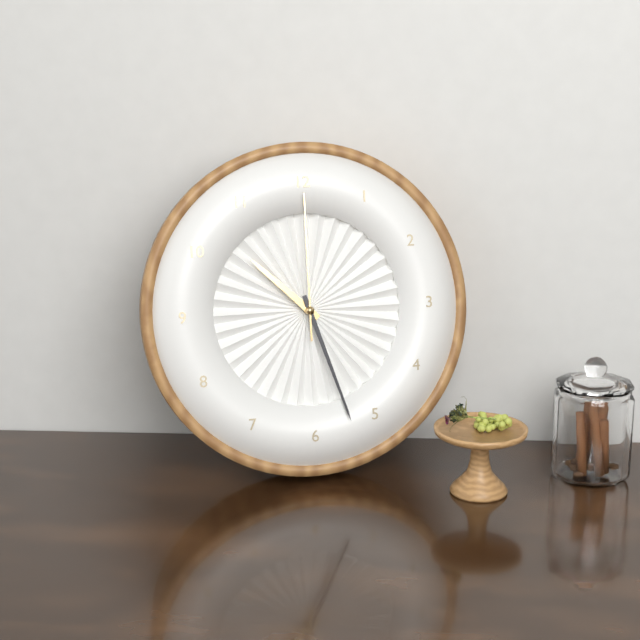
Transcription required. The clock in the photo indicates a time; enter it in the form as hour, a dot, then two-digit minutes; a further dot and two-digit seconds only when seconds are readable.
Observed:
10.27.00
